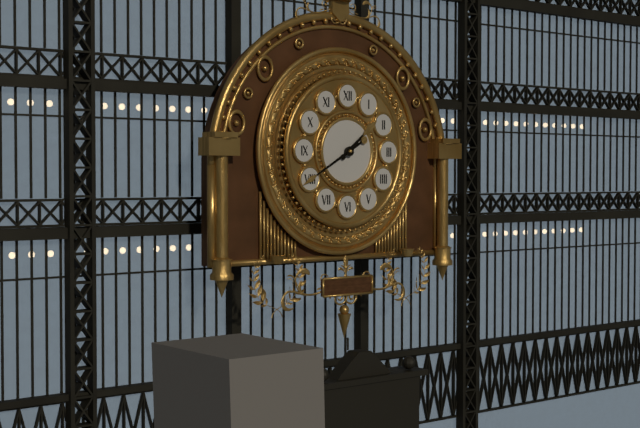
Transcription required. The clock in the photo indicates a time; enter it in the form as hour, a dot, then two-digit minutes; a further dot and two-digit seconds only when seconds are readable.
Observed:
1.40
